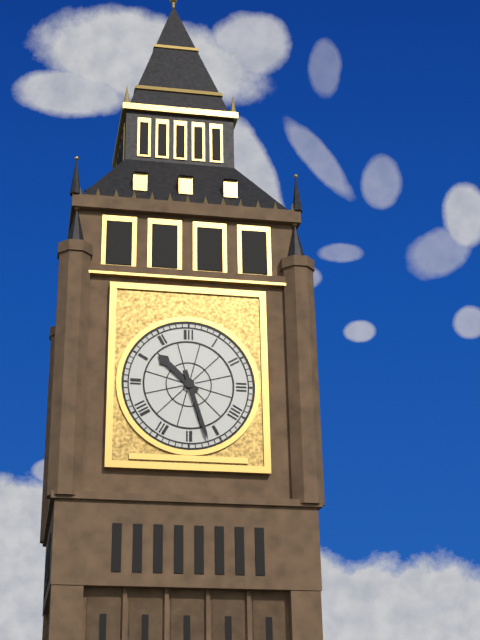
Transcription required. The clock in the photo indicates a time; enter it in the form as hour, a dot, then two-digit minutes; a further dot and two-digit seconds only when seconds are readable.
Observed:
10.27
